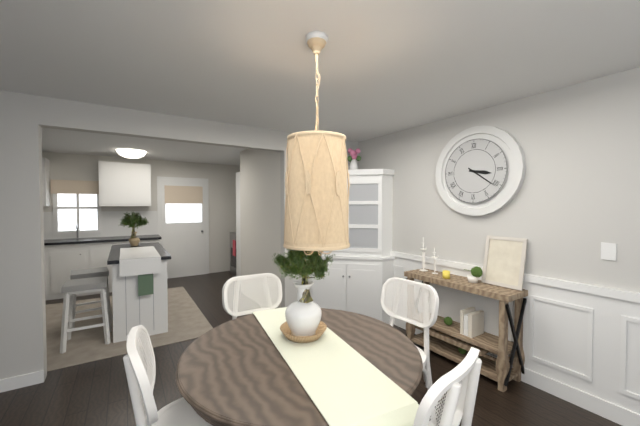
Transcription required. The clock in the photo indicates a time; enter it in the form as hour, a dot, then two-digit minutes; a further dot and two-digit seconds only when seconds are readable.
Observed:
3.21
